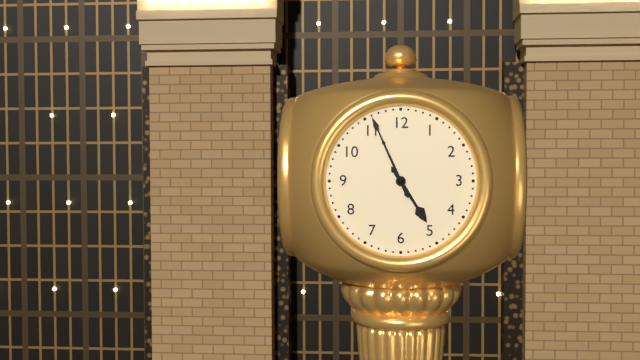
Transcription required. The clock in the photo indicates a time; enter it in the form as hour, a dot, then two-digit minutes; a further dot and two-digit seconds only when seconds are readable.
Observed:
4.56
